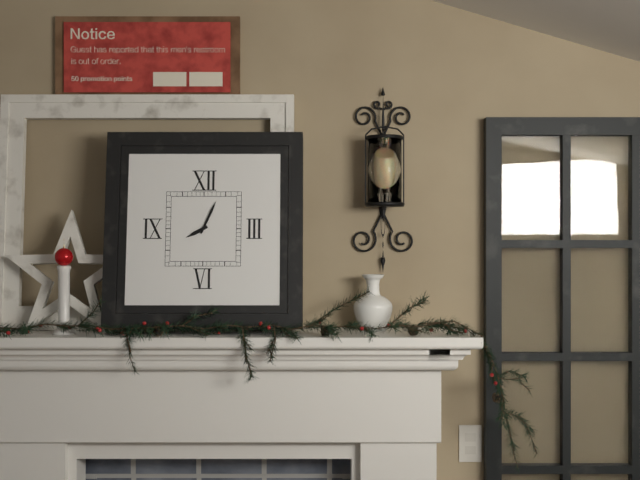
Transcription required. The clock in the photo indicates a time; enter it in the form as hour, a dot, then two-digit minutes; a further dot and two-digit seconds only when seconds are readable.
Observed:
8.04
